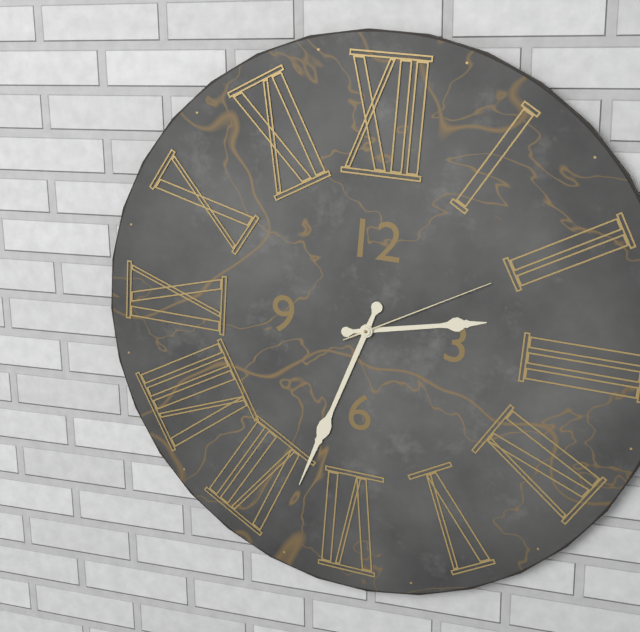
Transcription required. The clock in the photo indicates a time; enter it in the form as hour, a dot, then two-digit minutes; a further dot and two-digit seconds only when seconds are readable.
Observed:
2.33.10
